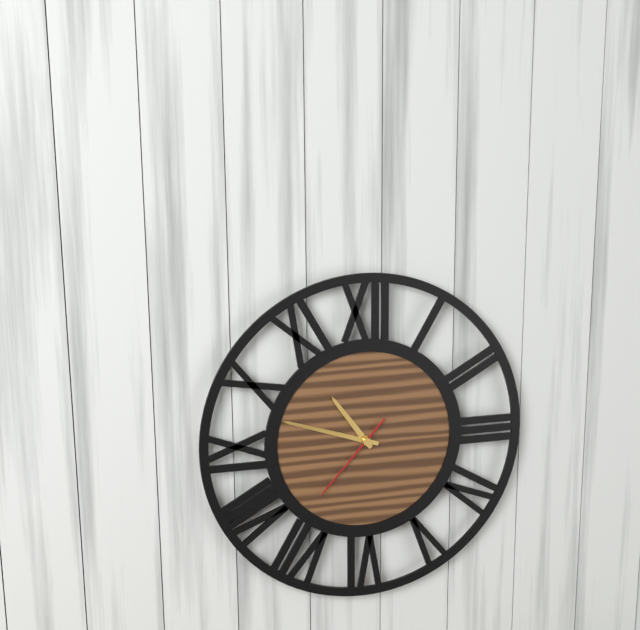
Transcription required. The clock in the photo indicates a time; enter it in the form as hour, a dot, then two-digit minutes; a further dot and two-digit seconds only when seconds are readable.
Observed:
10.48.37
